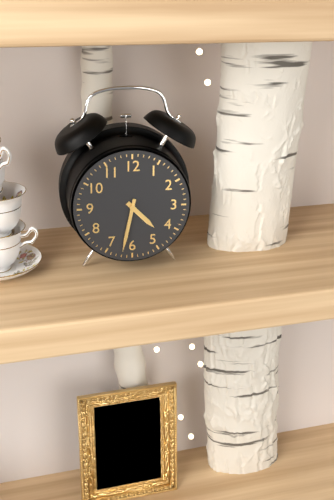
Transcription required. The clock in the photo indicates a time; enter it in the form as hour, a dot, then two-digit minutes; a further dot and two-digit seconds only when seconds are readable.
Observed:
4.32
